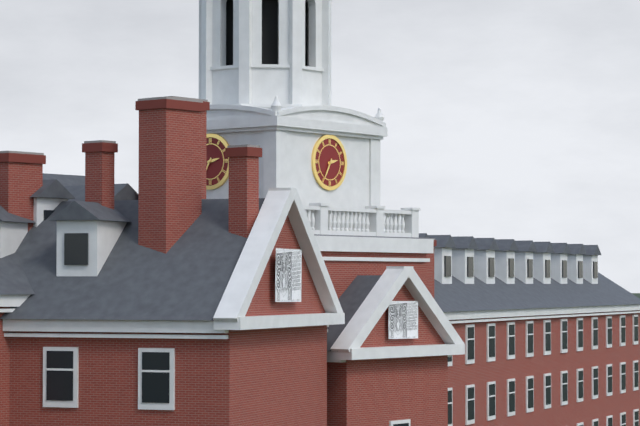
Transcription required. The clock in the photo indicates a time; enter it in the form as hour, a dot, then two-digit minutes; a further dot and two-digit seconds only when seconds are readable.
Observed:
2.35
